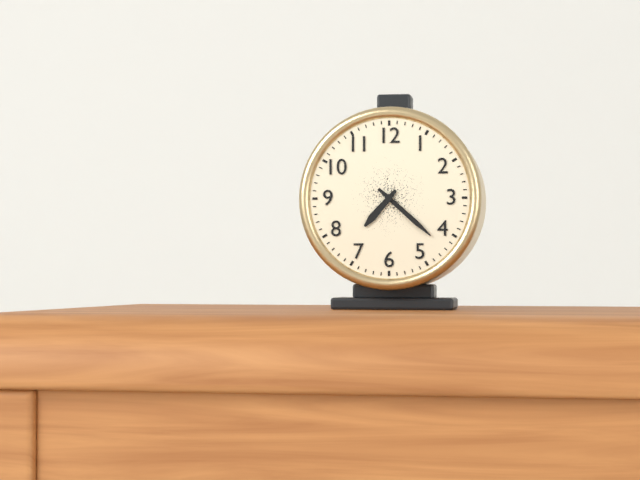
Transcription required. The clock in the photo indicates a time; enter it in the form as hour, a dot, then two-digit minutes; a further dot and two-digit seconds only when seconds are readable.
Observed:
7.22
